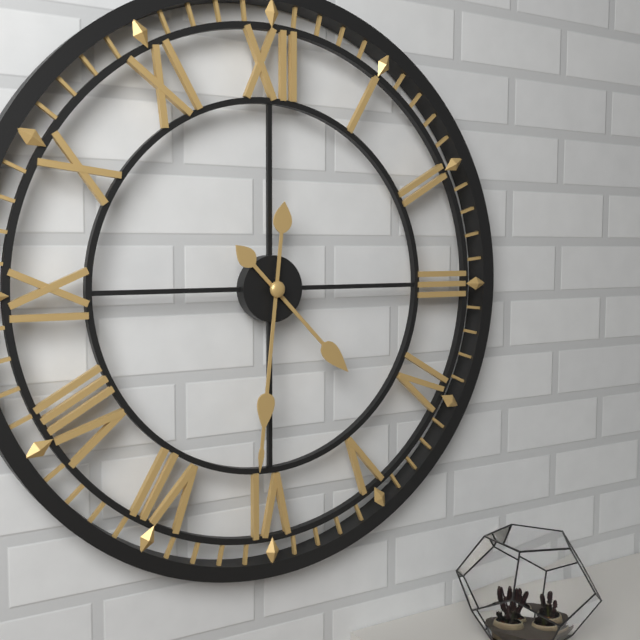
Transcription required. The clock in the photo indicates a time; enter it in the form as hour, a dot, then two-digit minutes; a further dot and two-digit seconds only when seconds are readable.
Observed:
4.31
